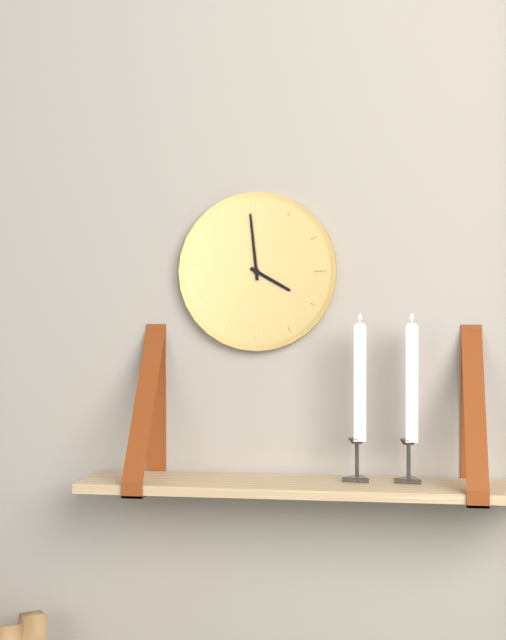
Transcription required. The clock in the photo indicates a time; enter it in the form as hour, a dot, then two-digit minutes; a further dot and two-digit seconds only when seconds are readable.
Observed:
3.59
